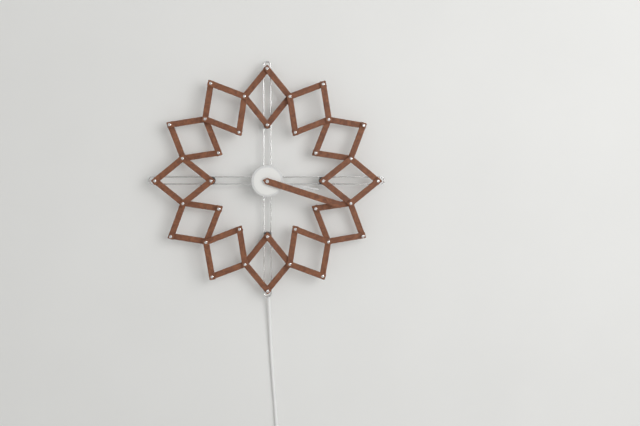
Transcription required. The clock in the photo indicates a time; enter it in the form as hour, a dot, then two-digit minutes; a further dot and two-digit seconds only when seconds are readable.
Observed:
3.18
